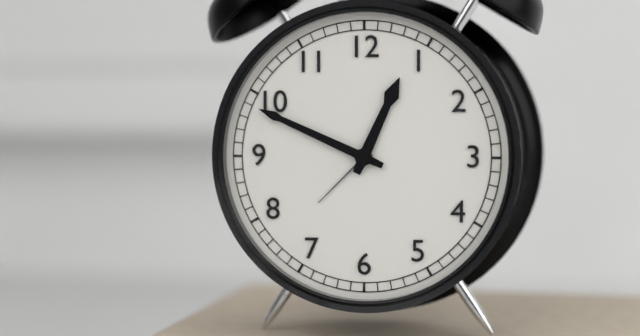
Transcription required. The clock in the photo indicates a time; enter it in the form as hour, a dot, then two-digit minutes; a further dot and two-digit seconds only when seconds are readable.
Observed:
12.49
